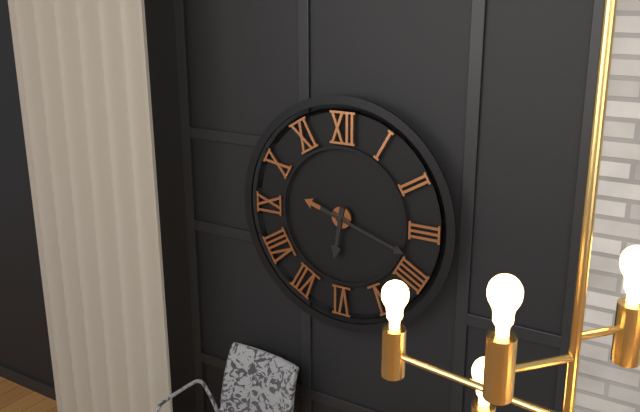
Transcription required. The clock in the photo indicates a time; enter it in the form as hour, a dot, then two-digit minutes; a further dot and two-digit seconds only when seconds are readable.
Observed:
6.18
